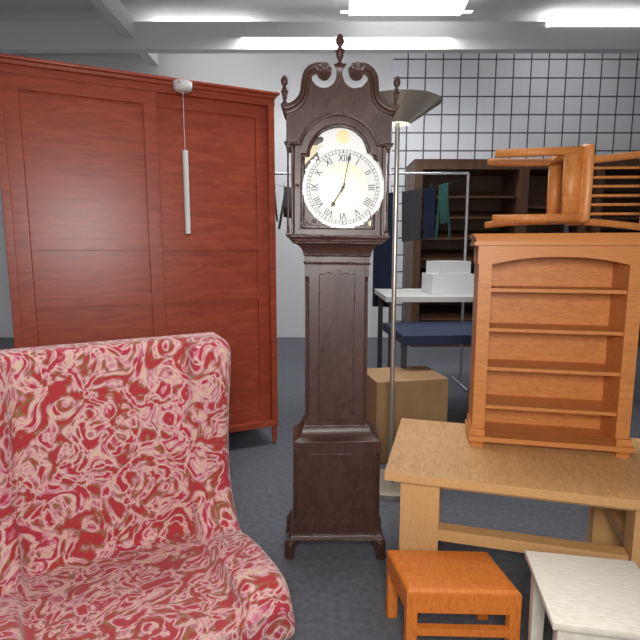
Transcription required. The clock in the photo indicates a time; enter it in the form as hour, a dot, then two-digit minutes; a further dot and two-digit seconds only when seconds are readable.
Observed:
7.02
